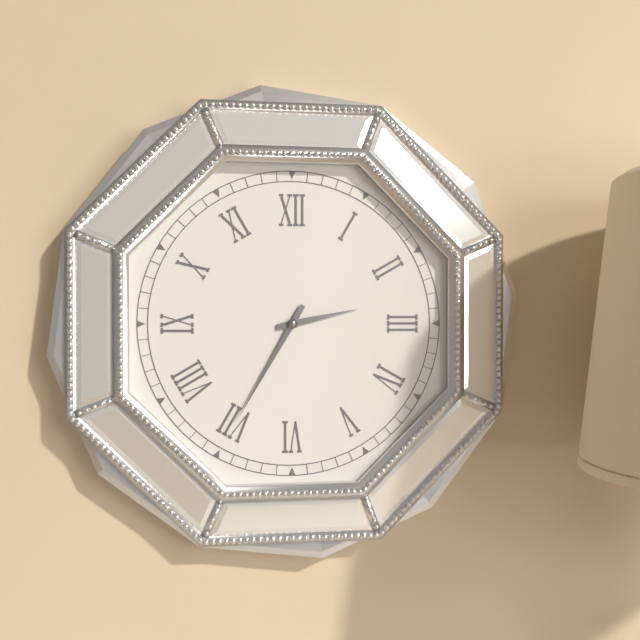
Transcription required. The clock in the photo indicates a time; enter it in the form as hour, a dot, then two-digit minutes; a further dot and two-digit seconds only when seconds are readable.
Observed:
2.35
